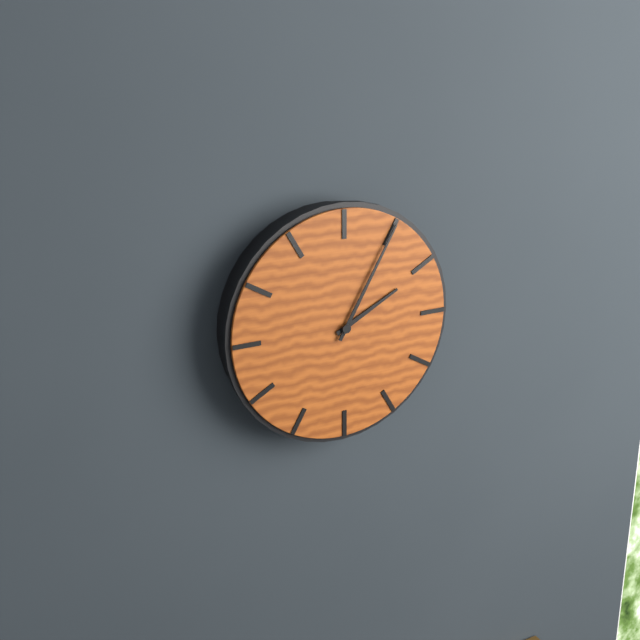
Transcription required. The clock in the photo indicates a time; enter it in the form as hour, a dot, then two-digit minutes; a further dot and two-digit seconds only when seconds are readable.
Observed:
2.05
